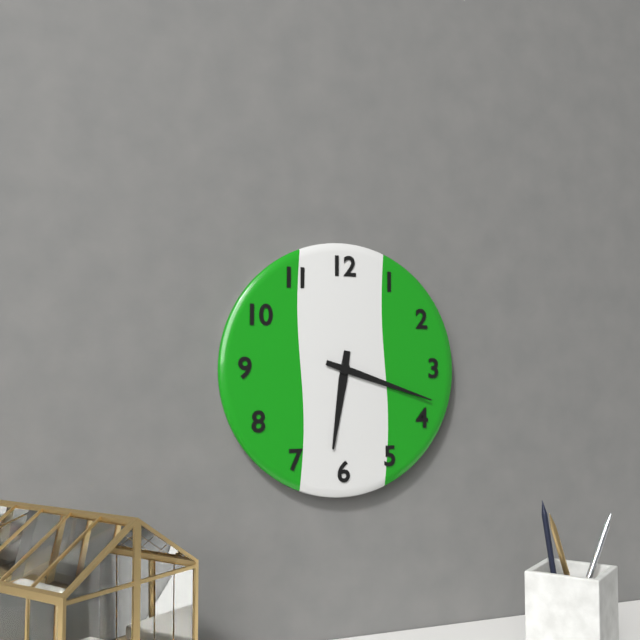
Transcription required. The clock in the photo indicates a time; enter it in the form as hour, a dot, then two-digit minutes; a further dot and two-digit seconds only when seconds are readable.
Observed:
6.18
